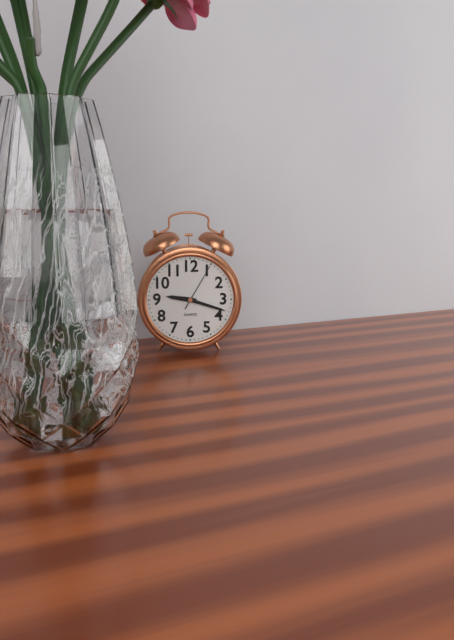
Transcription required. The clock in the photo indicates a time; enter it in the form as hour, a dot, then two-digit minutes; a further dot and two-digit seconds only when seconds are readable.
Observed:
9.18
